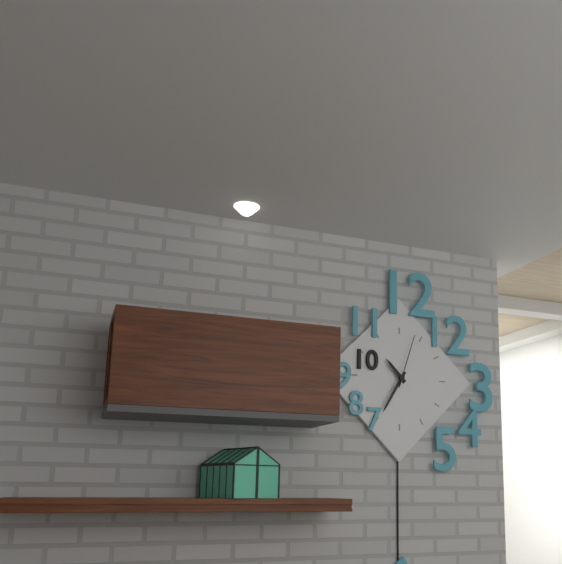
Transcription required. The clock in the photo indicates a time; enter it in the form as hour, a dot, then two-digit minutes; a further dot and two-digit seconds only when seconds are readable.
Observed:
10.35.03
